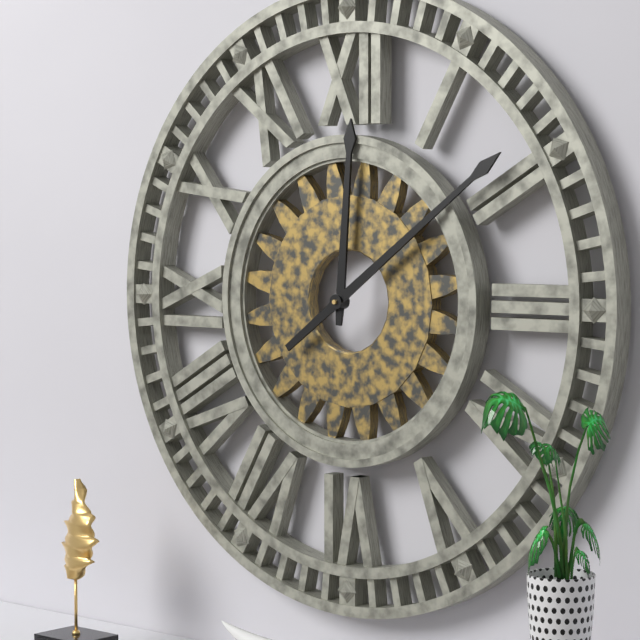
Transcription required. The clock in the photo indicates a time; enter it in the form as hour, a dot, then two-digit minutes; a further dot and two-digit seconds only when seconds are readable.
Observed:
12.09
